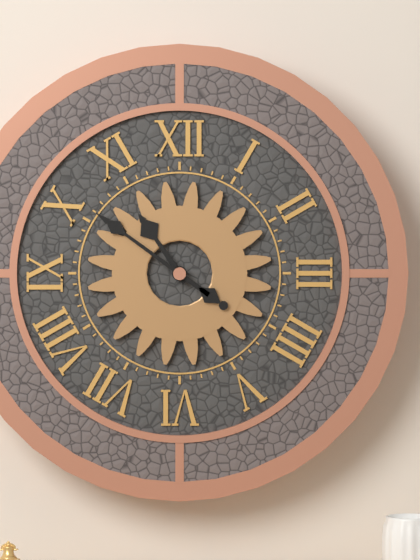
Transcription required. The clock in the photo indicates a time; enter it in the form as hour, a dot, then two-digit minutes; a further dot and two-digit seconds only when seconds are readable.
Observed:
10.51
